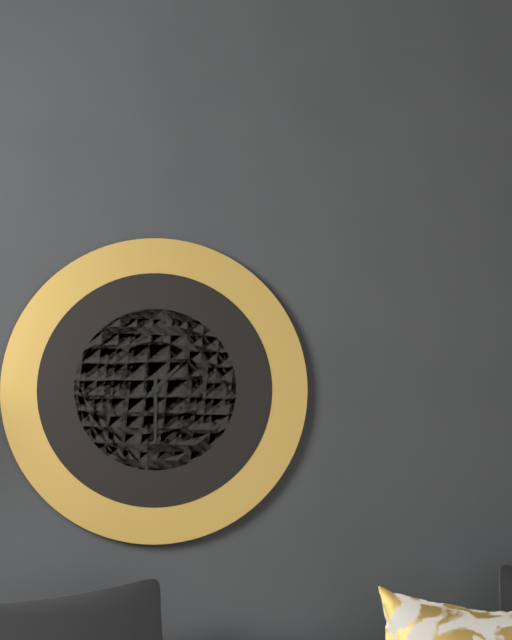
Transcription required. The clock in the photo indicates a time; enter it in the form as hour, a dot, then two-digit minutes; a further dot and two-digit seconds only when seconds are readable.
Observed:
1.30
